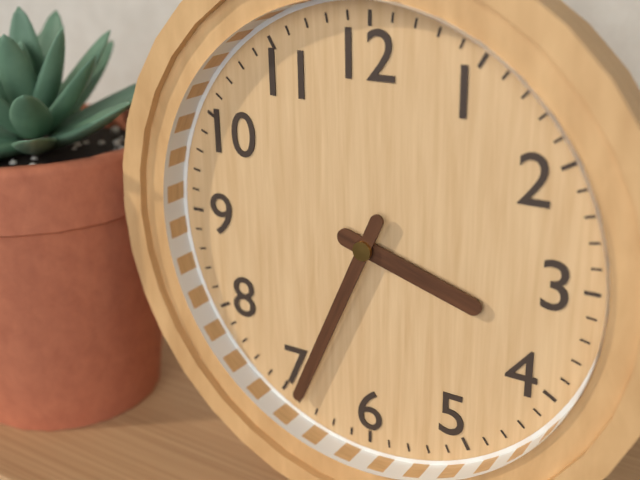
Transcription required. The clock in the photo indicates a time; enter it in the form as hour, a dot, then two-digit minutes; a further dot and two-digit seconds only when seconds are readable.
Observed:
3.34
